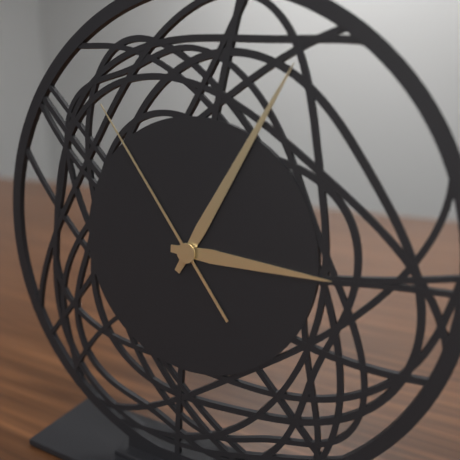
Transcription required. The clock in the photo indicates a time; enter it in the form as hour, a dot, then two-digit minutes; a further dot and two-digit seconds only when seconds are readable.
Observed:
3.05.54
